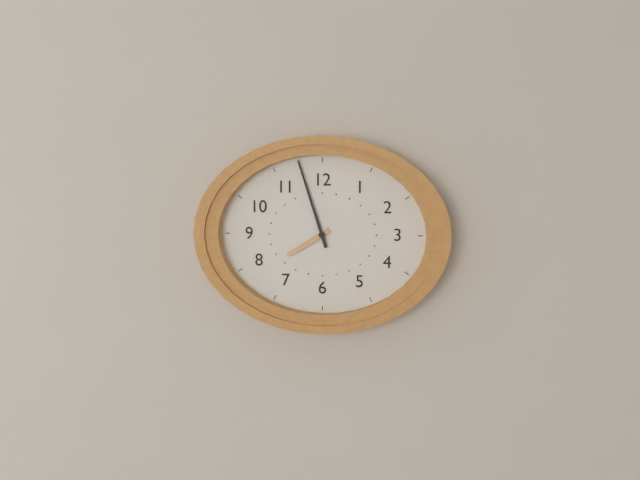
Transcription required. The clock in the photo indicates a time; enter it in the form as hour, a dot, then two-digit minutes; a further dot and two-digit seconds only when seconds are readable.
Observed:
7.57
